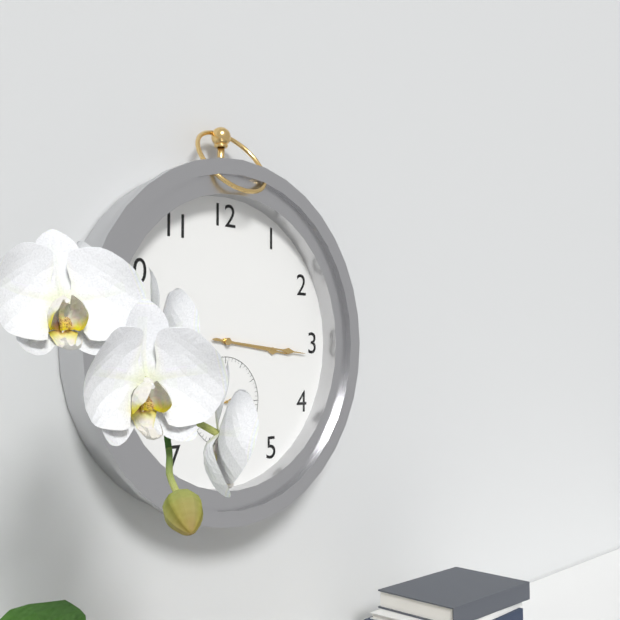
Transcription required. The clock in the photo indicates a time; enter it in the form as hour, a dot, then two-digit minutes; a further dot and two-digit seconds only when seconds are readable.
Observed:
3.16
